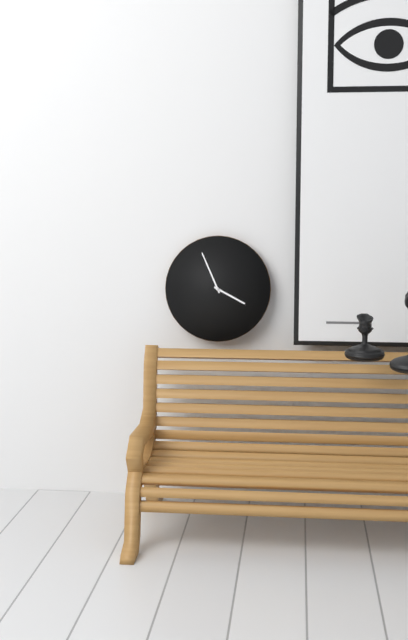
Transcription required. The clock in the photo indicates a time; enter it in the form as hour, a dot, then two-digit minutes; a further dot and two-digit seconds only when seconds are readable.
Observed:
3.56
